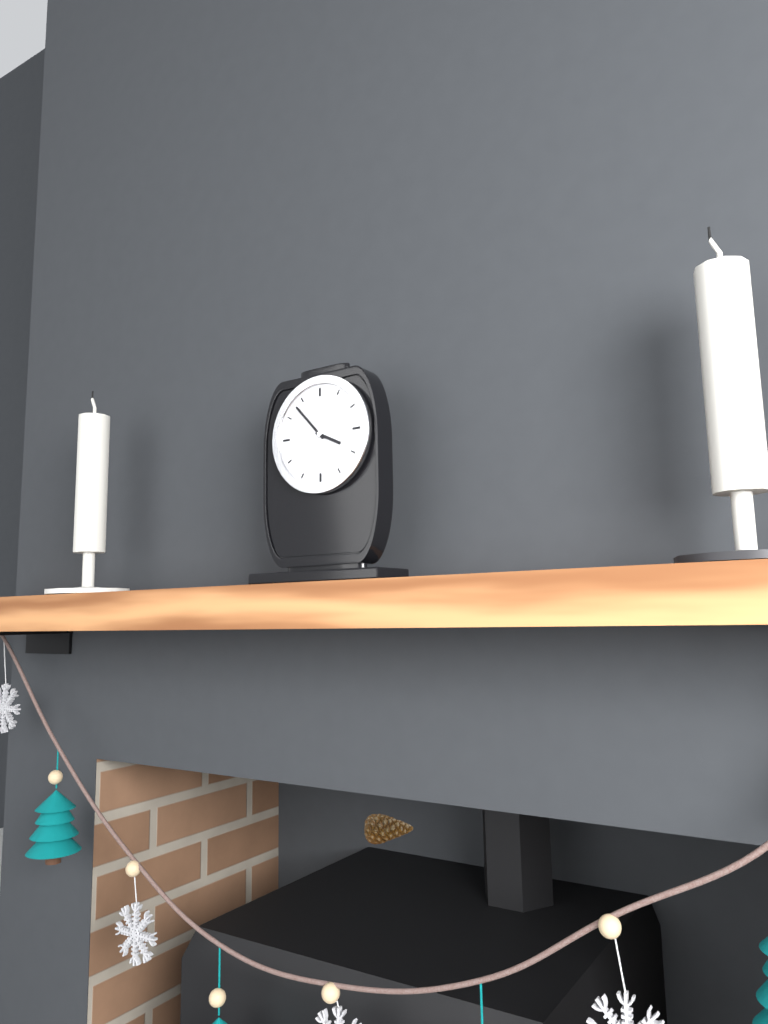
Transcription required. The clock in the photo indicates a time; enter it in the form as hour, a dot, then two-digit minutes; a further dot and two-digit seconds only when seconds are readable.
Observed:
3.53
